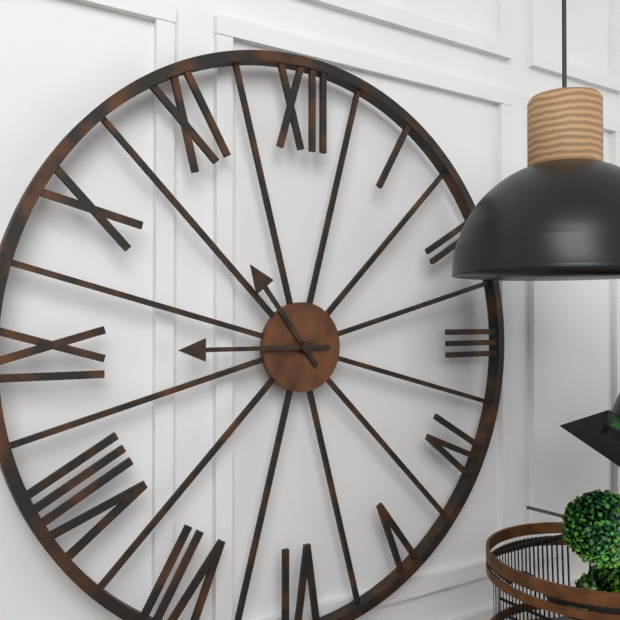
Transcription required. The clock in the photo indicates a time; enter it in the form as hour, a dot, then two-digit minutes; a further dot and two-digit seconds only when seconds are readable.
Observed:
10.45
